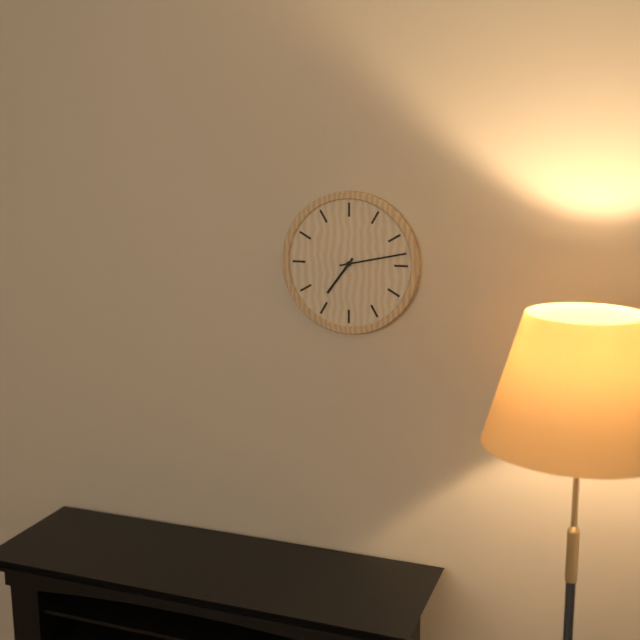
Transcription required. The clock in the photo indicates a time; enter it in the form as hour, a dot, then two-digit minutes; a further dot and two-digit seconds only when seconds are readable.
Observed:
7.13
